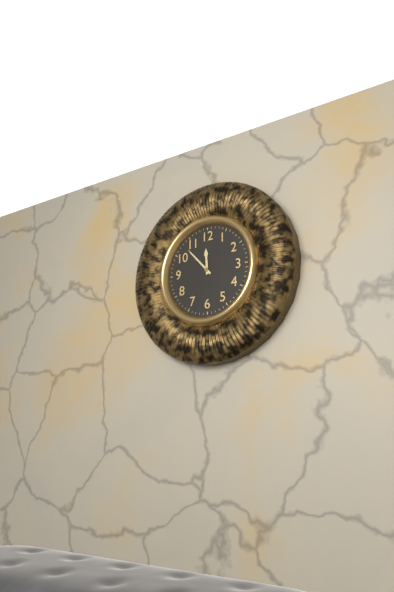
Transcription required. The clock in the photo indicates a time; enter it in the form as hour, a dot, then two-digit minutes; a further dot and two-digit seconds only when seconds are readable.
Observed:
11.53
